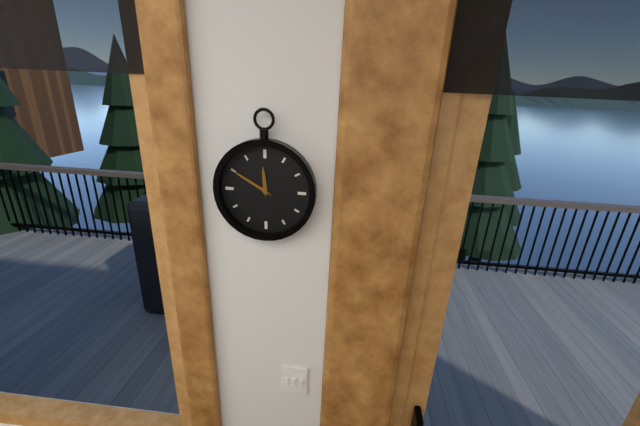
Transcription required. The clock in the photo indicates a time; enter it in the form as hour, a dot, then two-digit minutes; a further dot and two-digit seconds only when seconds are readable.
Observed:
11.50
